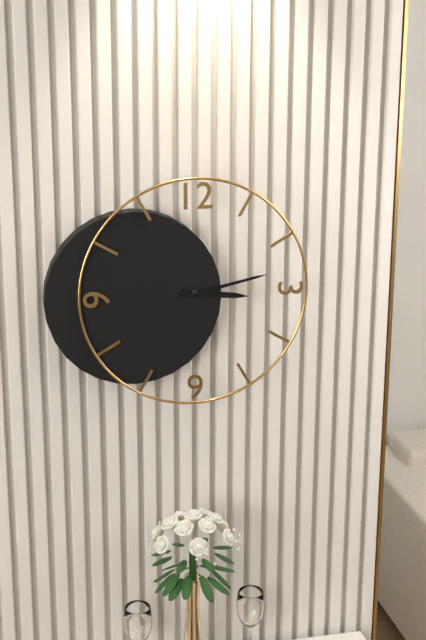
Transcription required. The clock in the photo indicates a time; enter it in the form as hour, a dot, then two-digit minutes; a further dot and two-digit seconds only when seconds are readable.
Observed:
3.13
